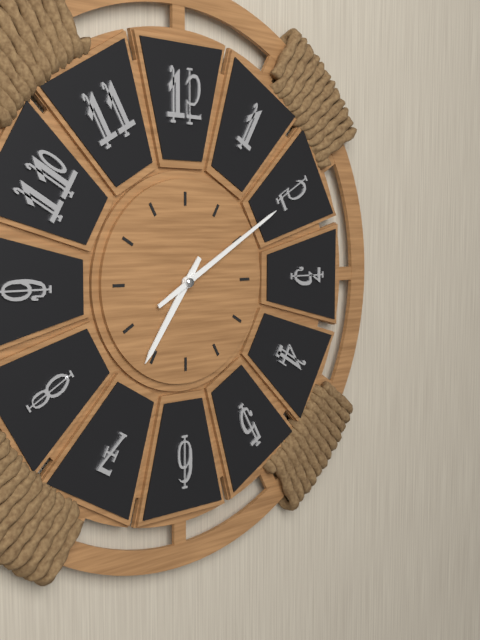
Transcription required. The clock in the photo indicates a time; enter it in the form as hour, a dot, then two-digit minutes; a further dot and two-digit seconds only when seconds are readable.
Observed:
7.10
